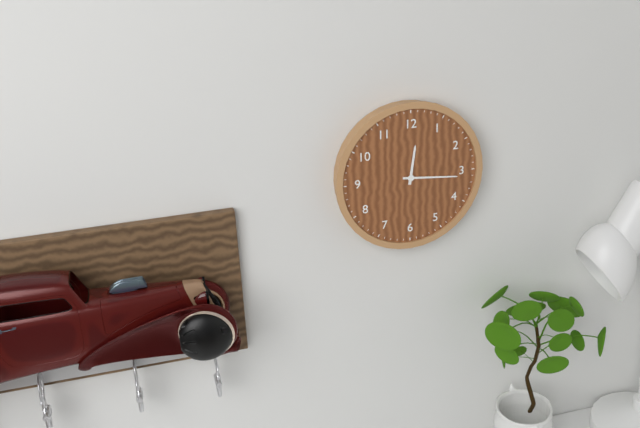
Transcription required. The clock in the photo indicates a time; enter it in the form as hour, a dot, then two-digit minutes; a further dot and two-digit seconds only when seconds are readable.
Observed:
12.16
